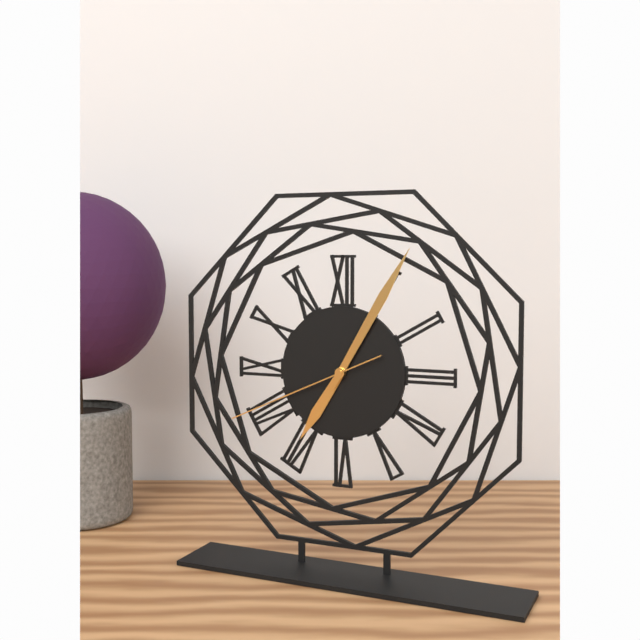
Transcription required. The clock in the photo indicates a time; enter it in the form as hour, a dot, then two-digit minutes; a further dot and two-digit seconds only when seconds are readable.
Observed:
7.05.41
